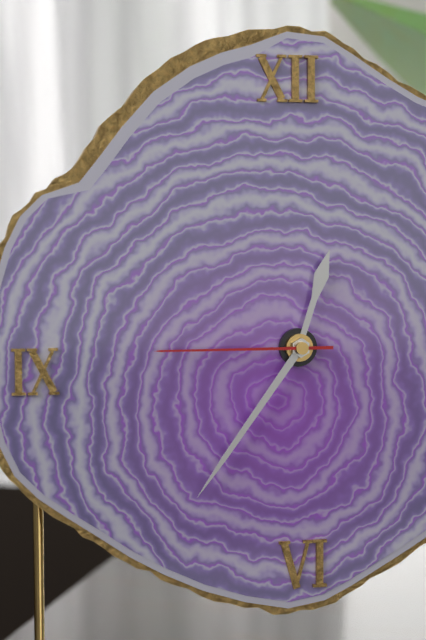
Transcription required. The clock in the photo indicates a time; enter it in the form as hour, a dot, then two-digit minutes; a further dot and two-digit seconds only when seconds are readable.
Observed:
12.36.45
